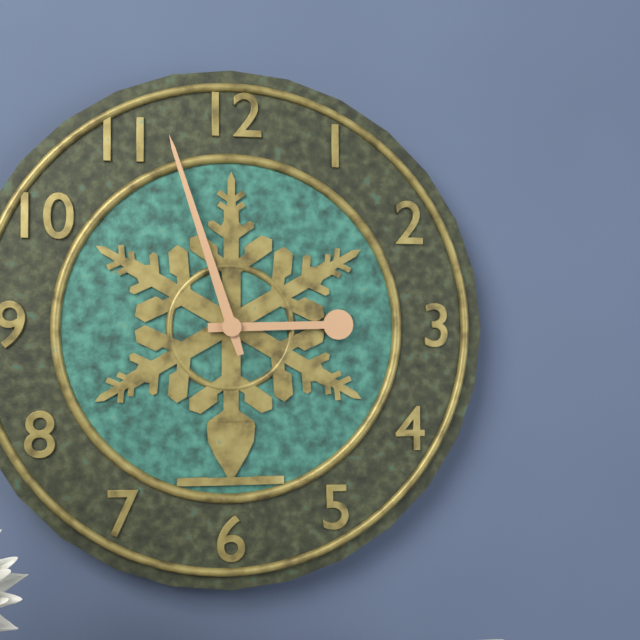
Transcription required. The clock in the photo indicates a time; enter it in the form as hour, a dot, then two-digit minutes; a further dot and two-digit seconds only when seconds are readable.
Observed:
2.57
